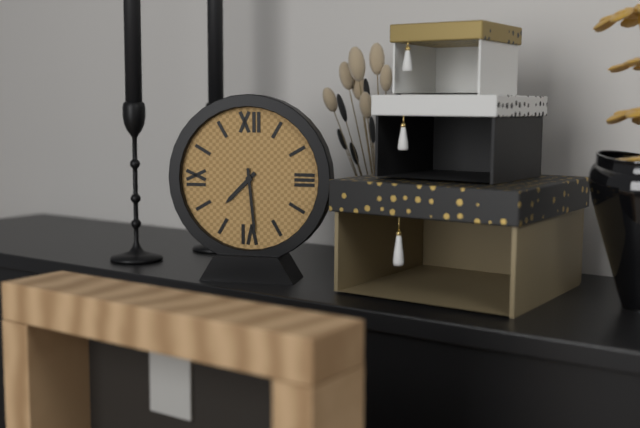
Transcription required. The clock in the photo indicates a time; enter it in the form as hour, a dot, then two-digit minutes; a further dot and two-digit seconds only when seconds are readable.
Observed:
7.29
